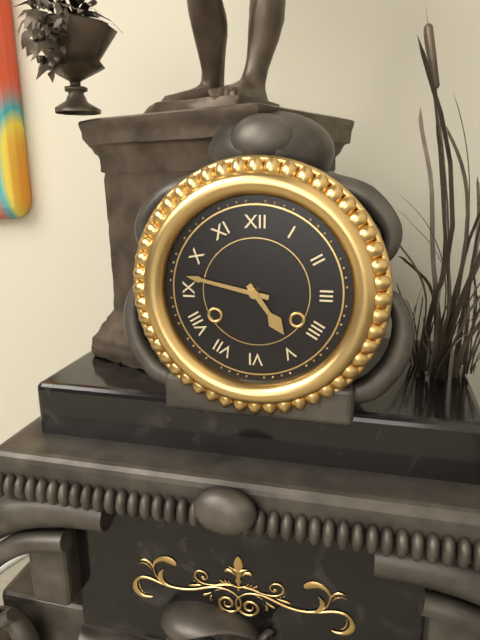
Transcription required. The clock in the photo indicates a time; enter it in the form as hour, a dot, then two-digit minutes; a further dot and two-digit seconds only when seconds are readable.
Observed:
4.47
